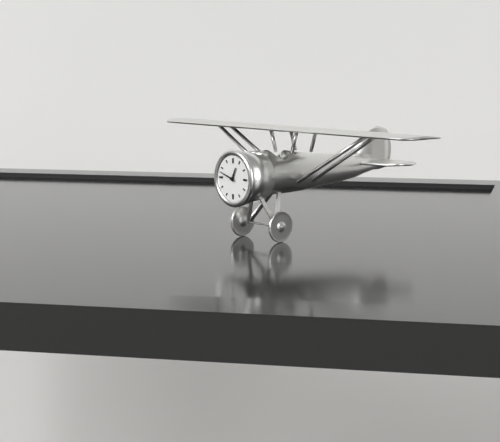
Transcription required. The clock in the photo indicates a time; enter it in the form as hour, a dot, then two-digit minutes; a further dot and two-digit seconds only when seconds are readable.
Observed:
12.48
